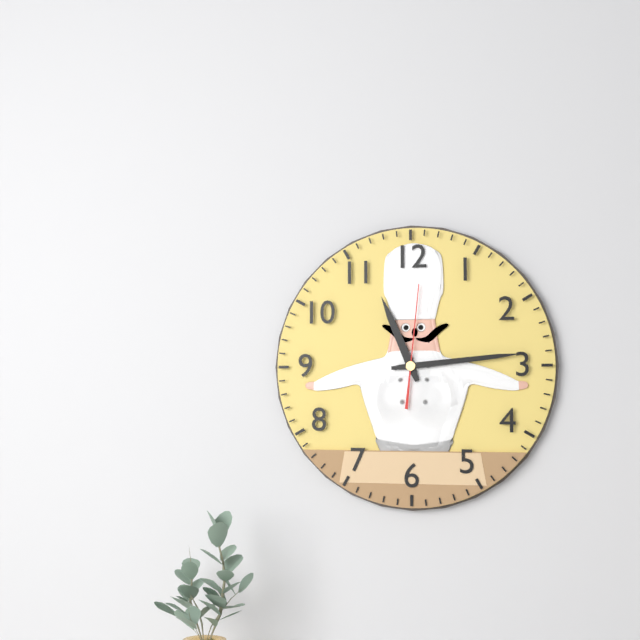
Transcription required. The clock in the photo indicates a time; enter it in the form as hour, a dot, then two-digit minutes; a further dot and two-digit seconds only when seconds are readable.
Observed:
11.14.01
